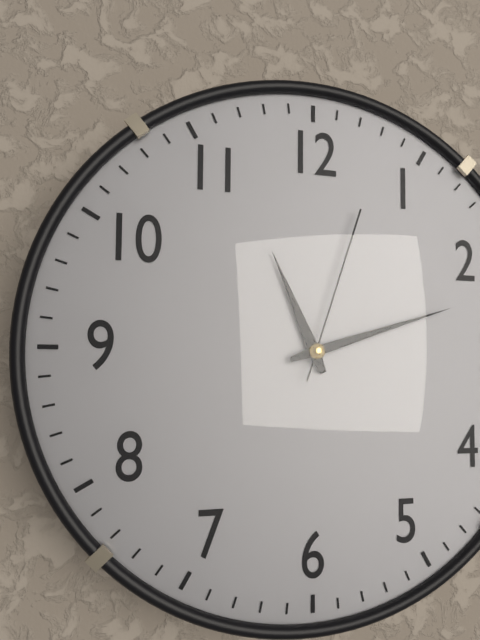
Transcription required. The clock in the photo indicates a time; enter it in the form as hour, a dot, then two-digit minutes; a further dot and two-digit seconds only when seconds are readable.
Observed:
11.12.03
